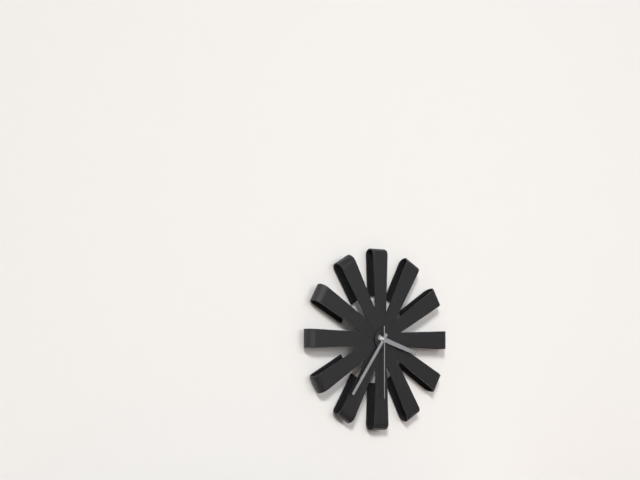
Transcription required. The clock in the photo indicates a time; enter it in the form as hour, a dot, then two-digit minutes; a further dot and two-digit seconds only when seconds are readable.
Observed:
3.36.30
